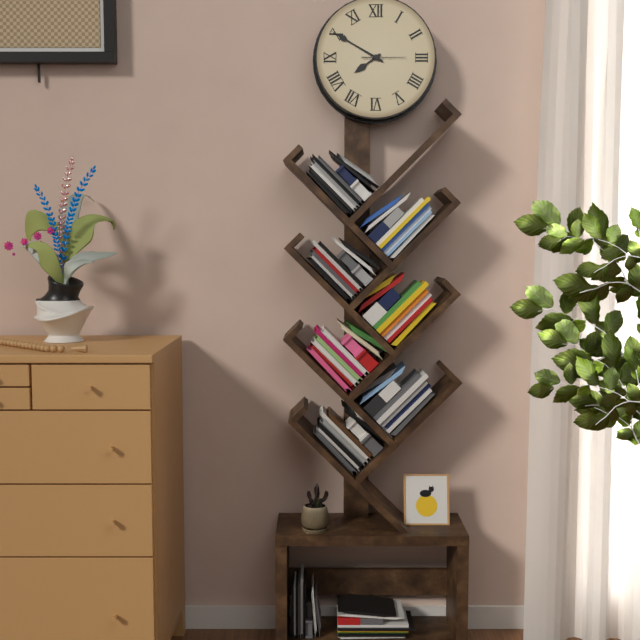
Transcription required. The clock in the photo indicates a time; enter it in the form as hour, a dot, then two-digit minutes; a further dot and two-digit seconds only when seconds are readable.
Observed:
7.50
